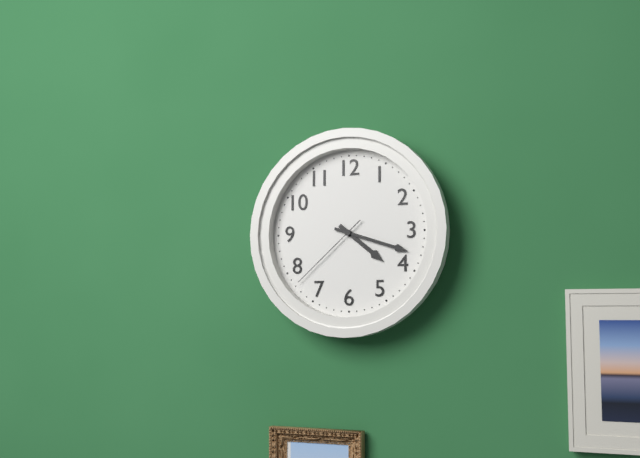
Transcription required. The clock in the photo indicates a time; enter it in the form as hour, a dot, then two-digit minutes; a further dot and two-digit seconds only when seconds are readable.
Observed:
4.18.38
